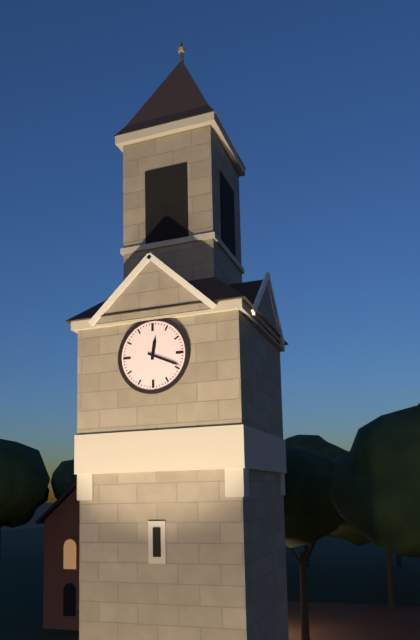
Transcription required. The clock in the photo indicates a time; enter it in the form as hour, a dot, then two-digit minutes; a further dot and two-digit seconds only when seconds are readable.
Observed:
12.19
